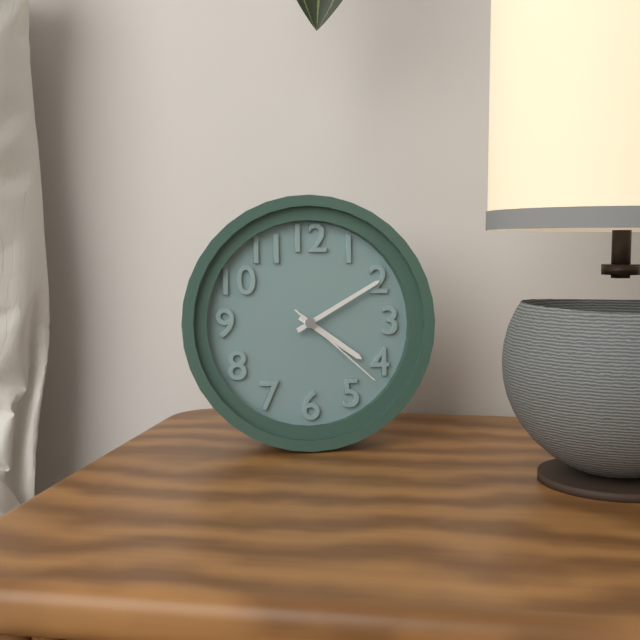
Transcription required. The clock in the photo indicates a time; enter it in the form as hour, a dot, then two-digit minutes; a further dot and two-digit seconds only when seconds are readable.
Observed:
4.10.22
